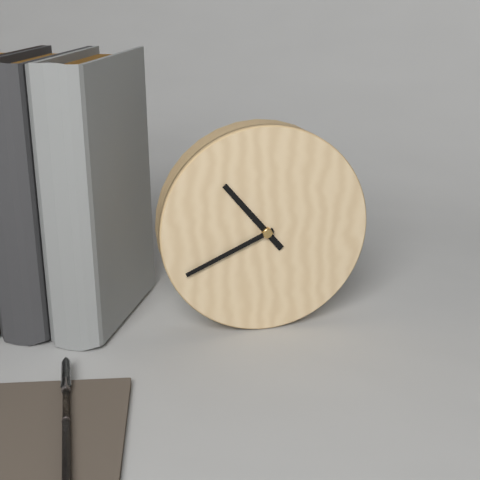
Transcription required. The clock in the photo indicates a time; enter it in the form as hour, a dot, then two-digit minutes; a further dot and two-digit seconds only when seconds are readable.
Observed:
10.41
